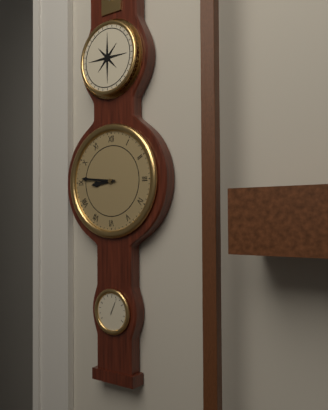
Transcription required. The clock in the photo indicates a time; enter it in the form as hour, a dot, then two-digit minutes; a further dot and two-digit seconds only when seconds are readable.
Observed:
8.46
